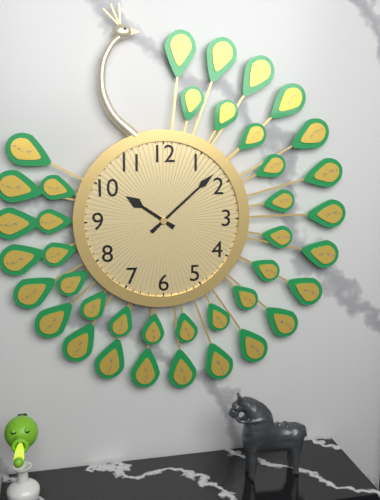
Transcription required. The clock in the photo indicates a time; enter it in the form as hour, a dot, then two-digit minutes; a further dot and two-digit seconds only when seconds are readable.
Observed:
10.08
